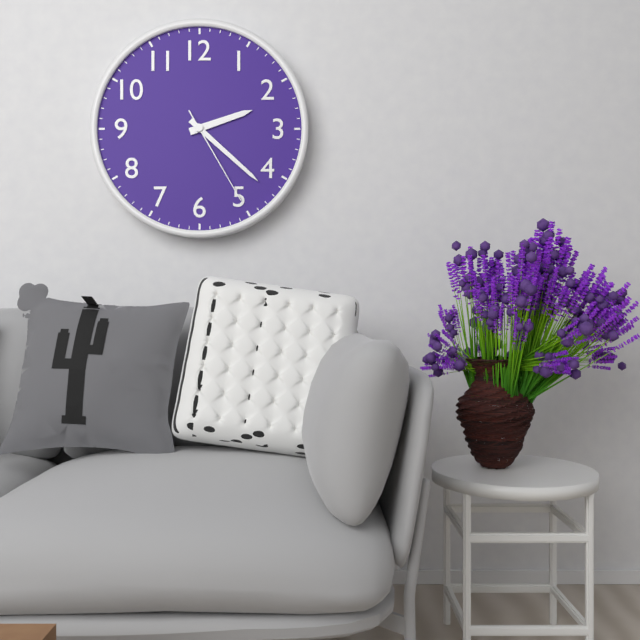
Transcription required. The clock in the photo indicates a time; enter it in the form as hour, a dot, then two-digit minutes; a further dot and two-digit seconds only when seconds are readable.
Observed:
2.22.25
